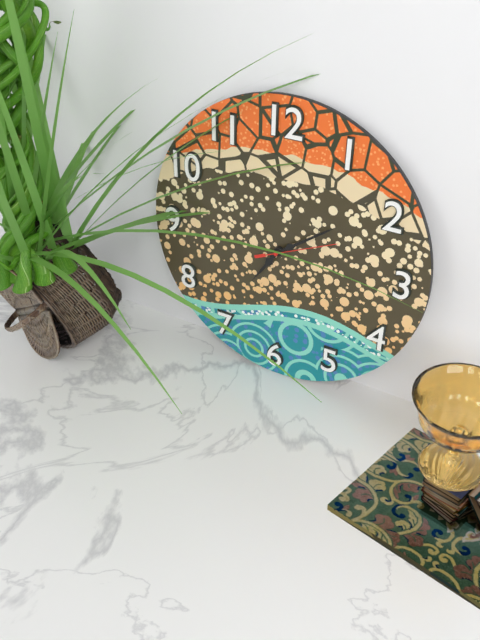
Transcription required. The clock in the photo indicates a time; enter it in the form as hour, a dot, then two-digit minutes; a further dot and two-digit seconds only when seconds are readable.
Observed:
7.09.11
